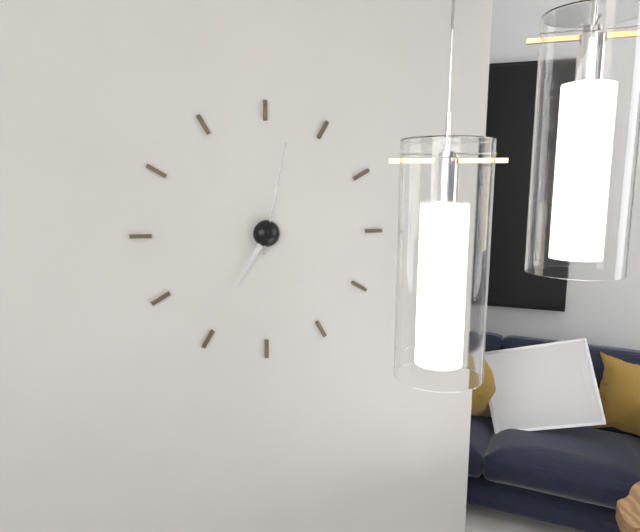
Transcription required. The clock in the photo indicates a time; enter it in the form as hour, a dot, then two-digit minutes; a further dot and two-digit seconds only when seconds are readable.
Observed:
7.02
